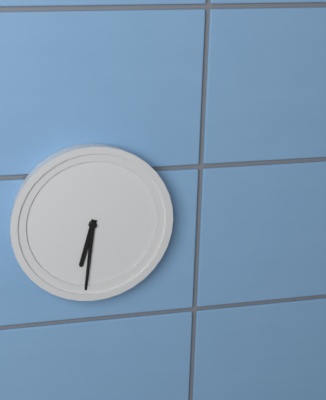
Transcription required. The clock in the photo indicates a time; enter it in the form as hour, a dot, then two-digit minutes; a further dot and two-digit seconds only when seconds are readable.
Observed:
6.31
